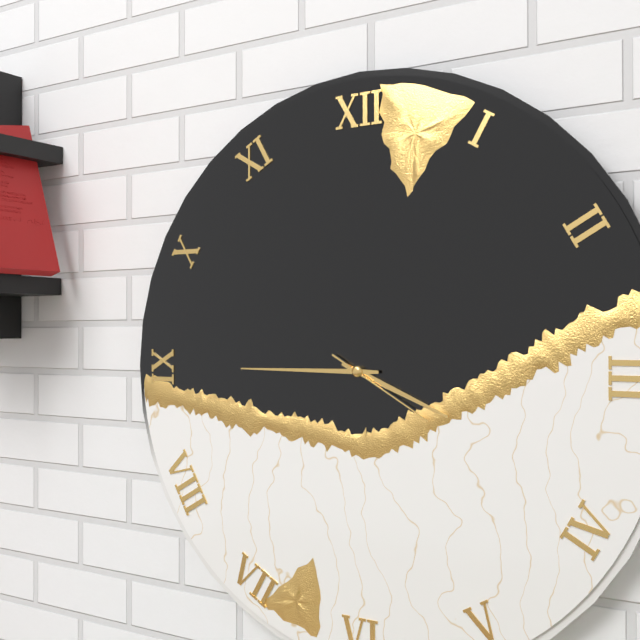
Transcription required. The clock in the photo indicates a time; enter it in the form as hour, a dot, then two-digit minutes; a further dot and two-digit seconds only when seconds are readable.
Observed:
3.45.20
